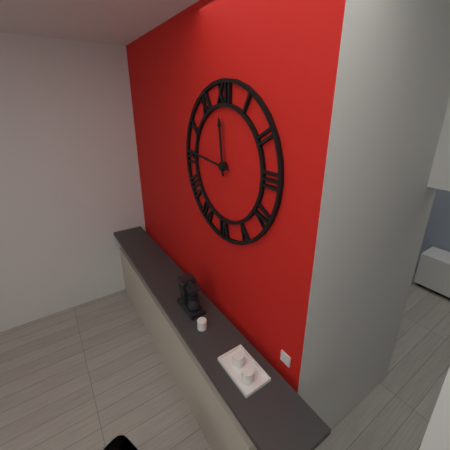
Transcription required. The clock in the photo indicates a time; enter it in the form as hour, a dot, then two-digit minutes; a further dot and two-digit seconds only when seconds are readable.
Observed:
11.46
